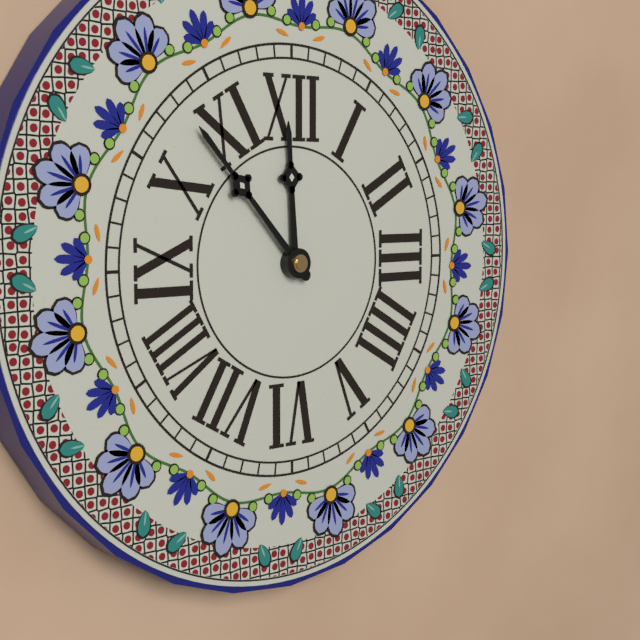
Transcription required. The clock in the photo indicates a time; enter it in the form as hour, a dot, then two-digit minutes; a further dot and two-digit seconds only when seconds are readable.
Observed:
11.53
